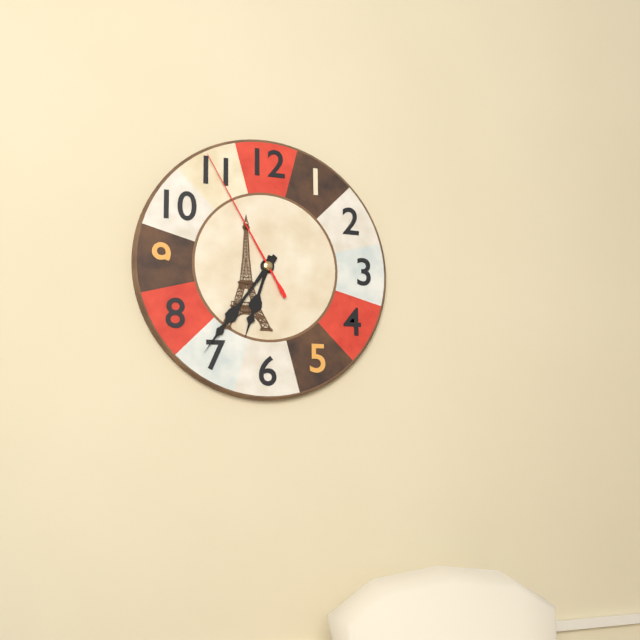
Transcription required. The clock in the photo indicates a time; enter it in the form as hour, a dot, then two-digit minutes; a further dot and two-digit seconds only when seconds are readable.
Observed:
6.36.55
